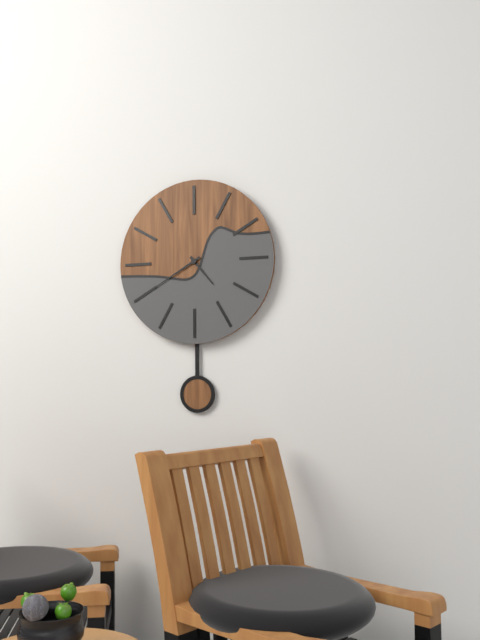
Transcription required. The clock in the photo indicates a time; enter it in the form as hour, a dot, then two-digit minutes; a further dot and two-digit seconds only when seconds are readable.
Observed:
4.40
